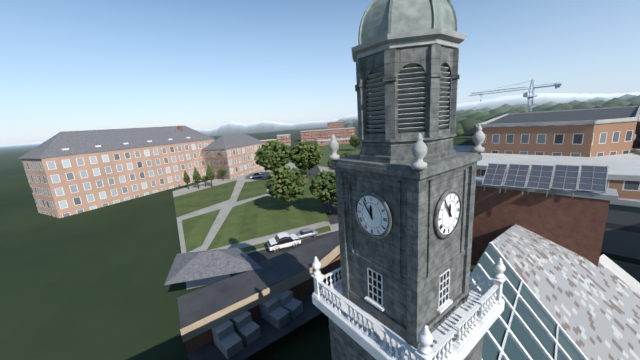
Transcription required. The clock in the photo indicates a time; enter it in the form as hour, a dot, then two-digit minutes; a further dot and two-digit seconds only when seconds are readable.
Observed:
11.54
